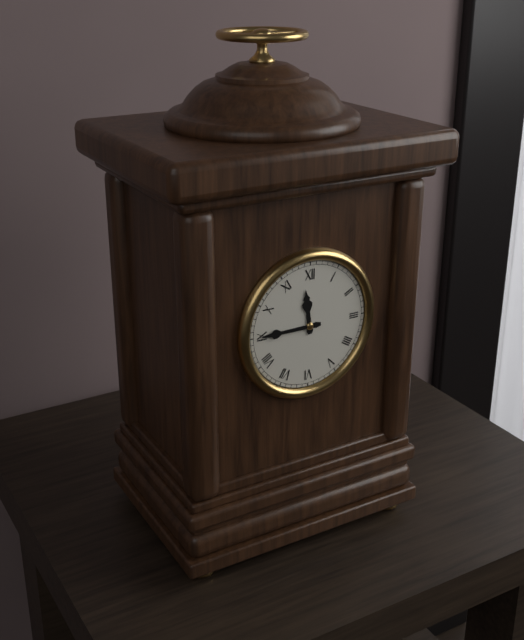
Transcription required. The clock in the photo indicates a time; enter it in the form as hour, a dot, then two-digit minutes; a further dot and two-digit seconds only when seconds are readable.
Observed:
11.45
